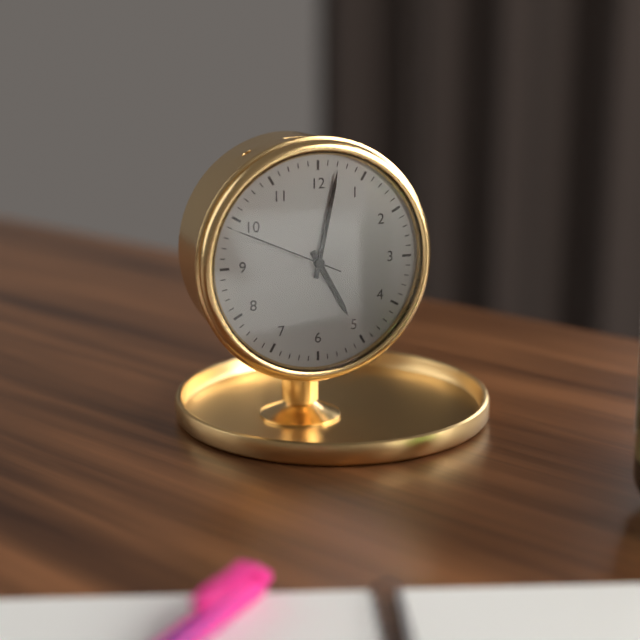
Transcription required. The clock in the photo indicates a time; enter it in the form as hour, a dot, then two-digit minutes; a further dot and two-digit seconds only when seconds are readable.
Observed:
5.02.49
